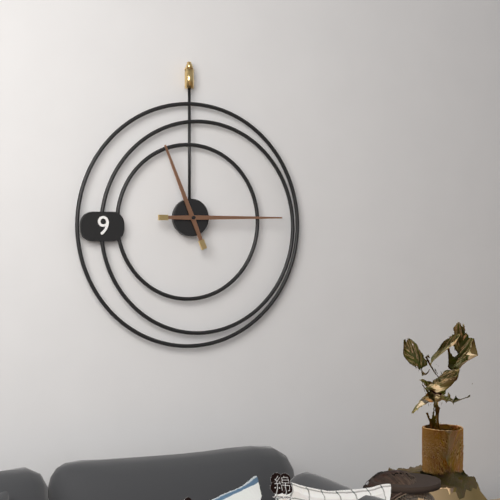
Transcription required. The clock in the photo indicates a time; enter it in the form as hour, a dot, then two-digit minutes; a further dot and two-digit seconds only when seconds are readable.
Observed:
11.15
